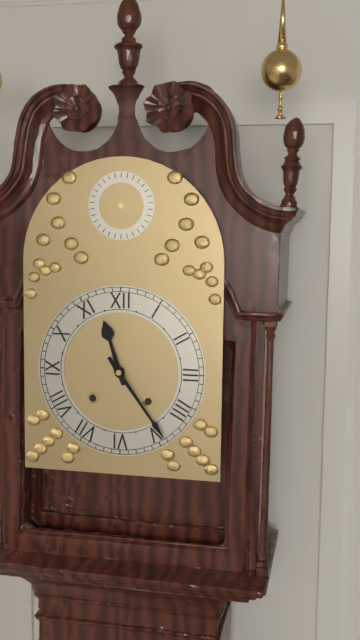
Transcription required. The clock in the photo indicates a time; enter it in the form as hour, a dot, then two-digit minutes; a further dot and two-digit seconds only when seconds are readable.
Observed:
11.24
